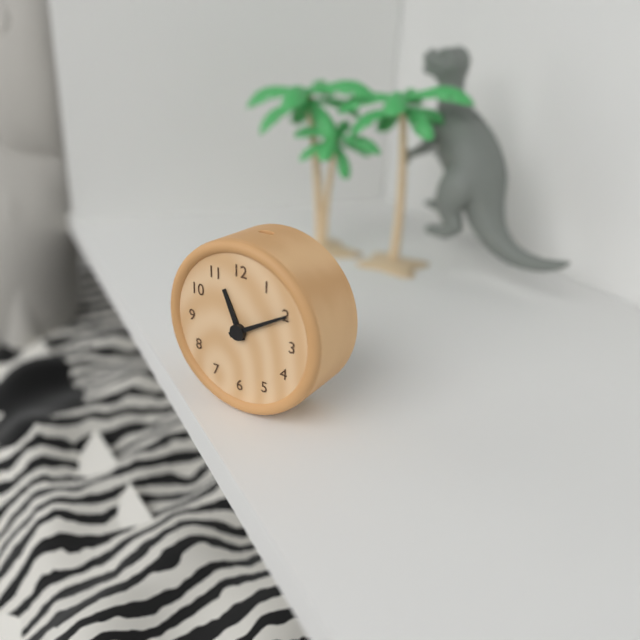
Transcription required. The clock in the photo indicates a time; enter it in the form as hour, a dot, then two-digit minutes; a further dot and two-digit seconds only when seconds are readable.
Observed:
11.10
